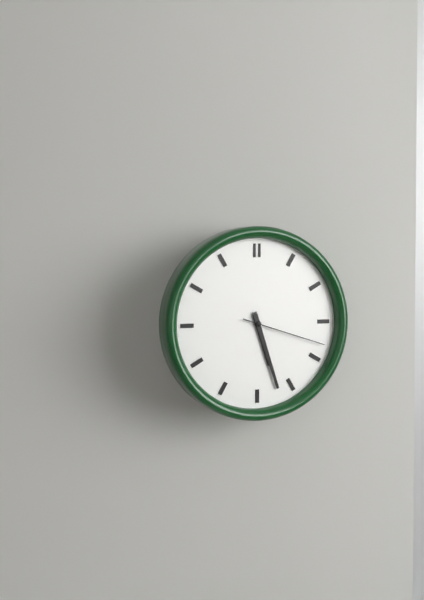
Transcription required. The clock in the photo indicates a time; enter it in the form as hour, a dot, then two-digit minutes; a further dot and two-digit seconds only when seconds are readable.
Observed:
5.27.18
